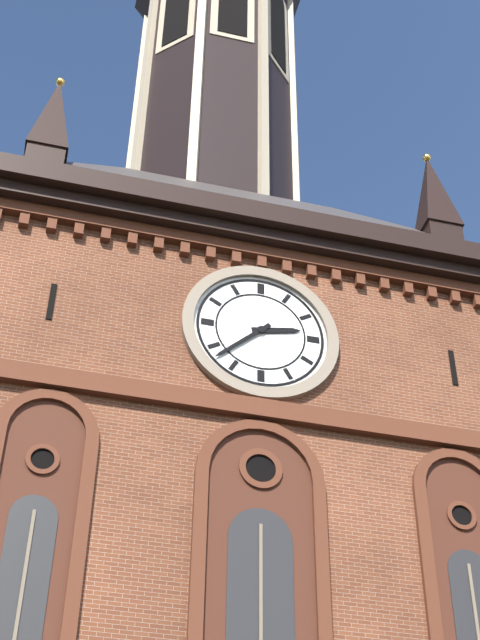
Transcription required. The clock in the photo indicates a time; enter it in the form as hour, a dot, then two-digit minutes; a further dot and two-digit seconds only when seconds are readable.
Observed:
2.38
